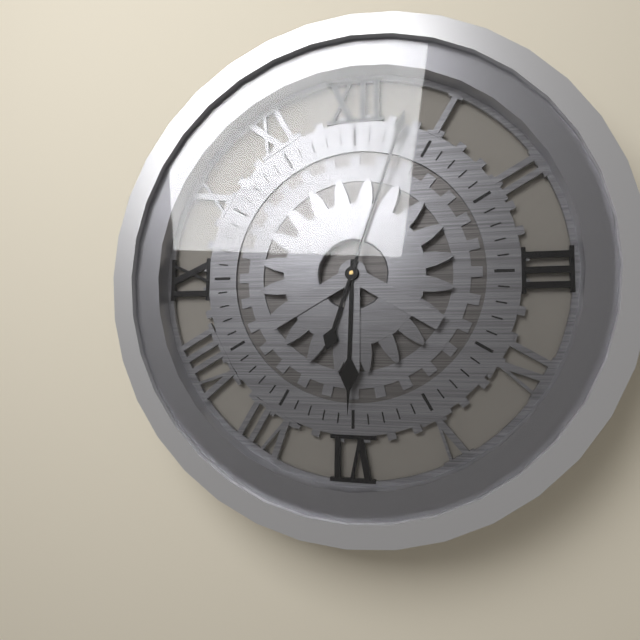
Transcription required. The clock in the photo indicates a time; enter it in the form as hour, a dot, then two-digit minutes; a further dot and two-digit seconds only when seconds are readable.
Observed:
6.03
